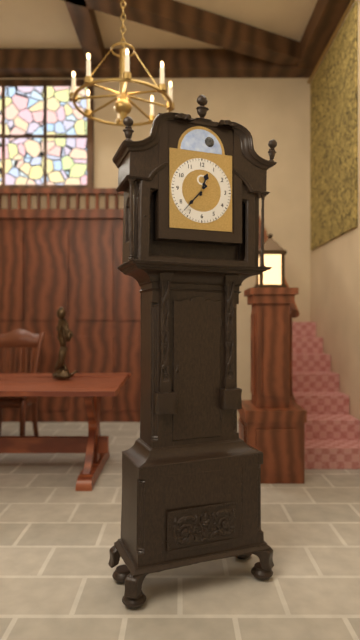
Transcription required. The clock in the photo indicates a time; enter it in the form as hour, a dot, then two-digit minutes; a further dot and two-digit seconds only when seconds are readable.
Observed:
12.37
